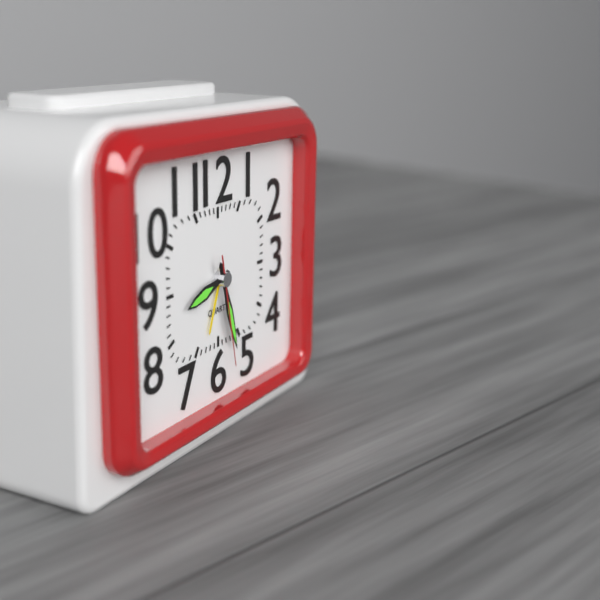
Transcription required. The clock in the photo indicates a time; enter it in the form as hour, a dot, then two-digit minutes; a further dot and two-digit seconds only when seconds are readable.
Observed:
8.27.28
